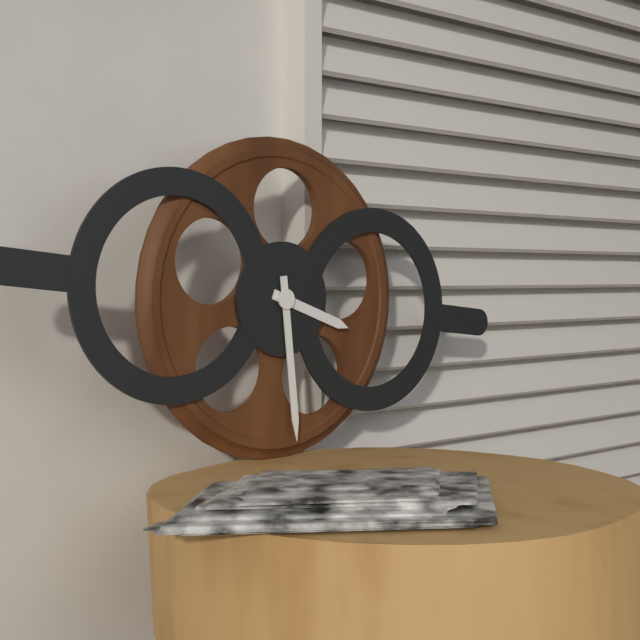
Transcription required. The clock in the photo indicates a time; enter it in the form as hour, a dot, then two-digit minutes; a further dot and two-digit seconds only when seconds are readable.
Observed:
3.28
